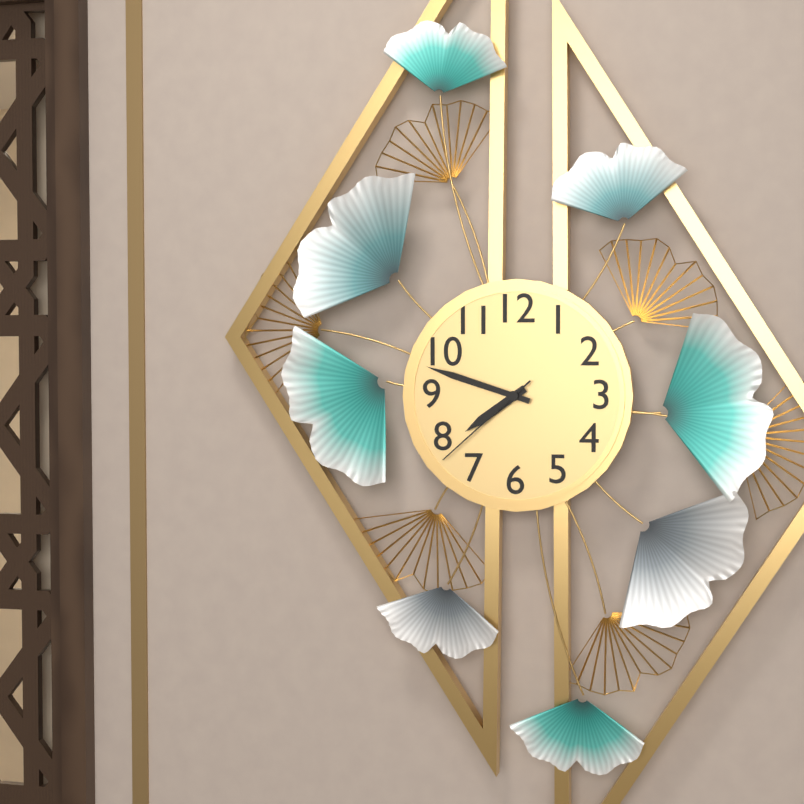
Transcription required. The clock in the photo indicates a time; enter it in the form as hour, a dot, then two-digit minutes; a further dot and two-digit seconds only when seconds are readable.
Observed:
7.48.38
